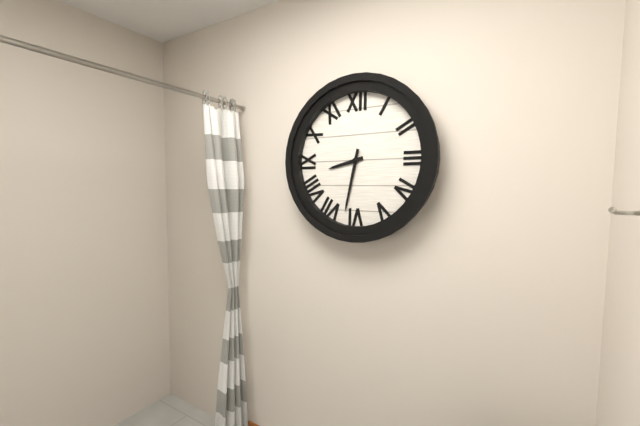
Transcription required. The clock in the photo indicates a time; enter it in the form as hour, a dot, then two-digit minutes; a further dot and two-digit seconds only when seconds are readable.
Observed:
8.32
